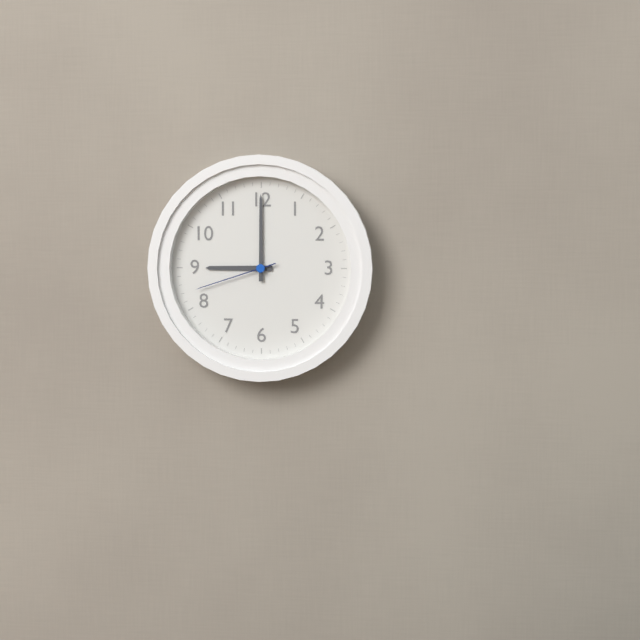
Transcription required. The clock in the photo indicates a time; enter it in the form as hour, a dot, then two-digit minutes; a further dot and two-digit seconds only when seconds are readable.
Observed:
9.00.42
